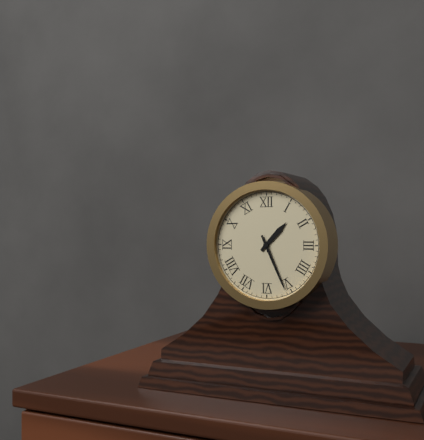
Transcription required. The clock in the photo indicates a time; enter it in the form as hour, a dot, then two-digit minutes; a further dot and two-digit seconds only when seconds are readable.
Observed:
1.26
